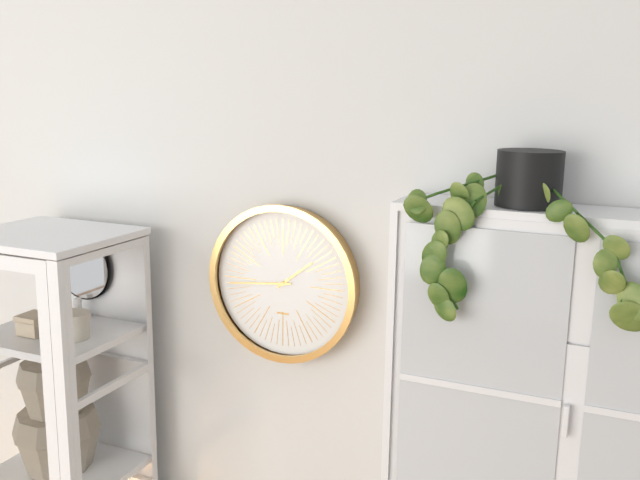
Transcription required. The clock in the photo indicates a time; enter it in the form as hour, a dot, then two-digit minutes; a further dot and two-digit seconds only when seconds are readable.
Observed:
1.44
